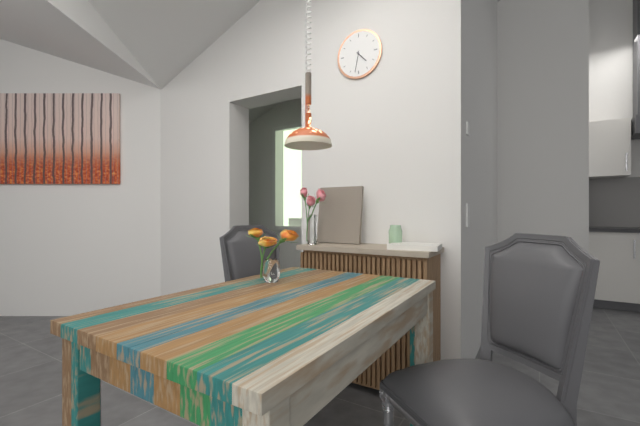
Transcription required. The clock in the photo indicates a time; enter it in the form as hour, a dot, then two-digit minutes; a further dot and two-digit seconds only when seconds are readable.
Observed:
4.32
